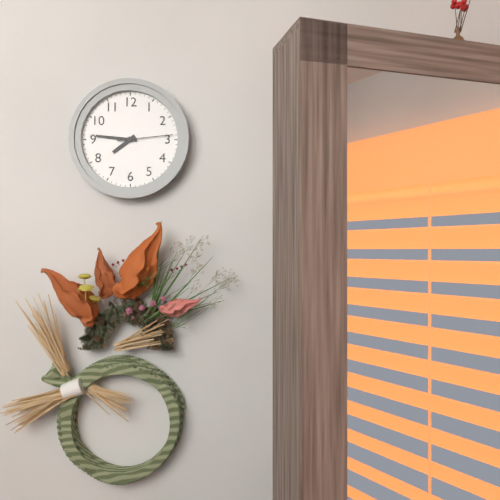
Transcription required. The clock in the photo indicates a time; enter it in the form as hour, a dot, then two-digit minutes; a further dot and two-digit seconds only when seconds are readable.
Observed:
7.46.14
